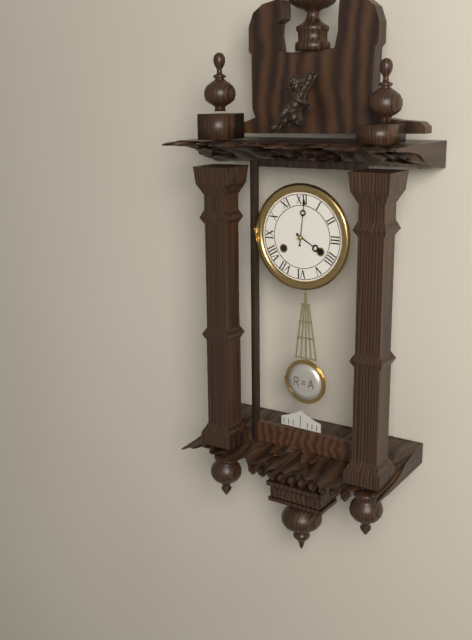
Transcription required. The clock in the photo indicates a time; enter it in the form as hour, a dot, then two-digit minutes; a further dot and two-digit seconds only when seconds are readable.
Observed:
4.01
